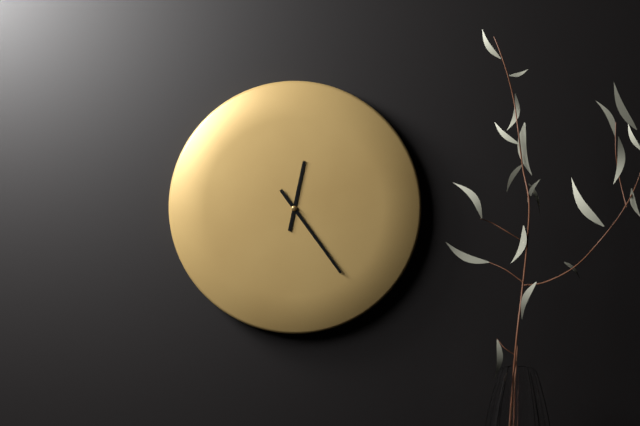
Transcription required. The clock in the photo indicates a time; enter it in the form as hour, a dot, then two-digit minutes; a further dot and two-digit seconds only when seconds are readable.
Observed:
12.24
